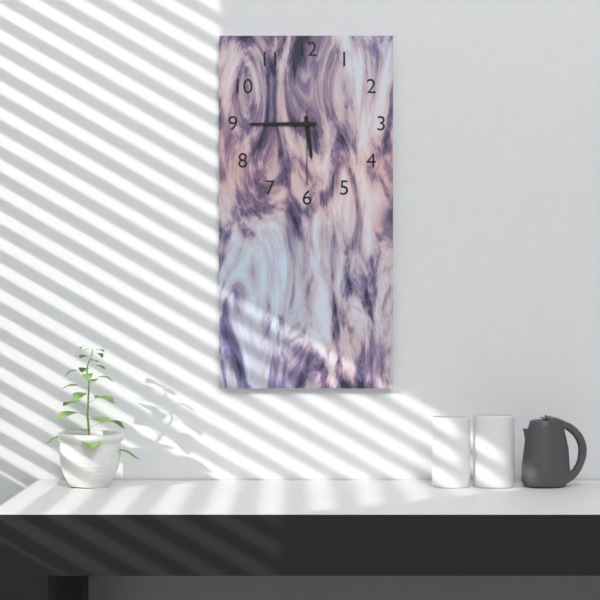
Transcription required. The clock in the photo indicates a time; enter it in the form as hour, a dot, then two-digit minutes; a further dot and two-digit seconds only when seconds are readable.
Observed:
5.45.30
